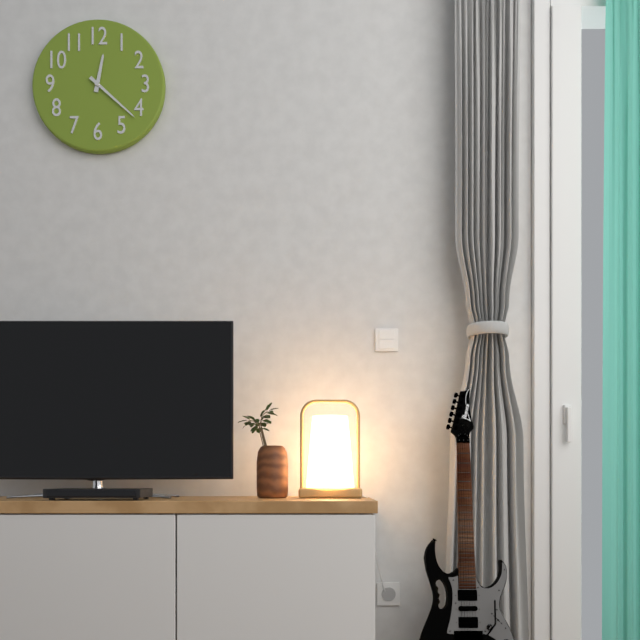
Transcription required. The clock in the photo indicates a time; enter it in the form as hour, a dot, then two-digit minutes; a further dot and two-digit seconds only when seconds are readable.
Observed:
12.22
